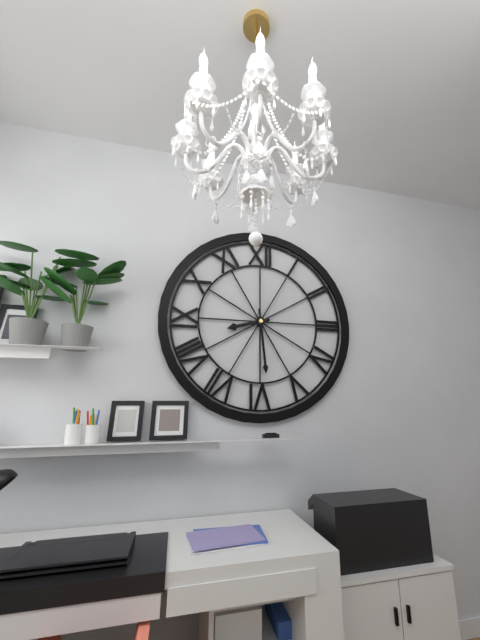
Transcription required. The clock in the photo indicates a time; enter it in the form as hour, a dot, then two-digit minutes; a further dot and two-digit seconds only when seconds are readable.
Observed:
8.29
